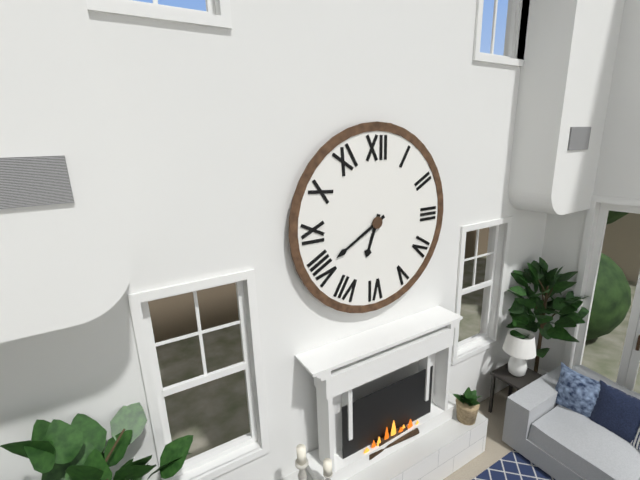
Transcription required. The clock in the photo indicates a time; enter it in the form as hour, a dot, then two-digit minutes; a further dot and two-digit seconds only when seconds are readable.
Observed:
6.40
